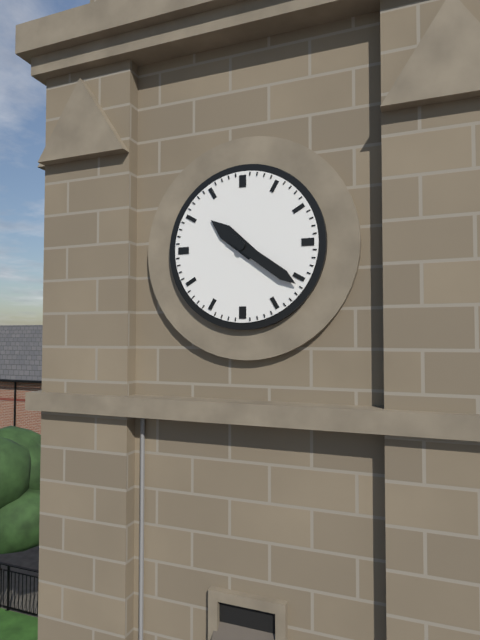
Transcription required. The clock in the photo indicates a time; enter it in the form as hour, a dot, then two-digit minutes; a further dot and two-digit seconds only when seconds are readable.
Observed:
10.21
